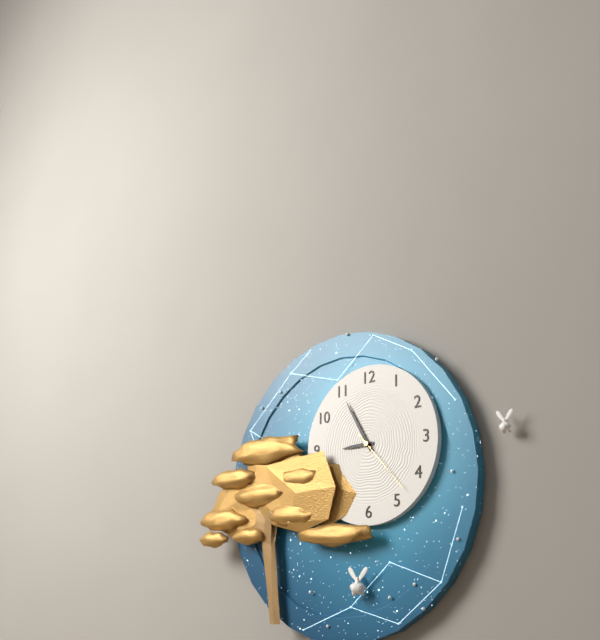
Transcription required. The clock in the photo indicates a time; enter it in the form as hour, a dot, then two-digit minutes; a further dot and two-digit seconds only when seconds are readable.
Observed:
8.55.23
